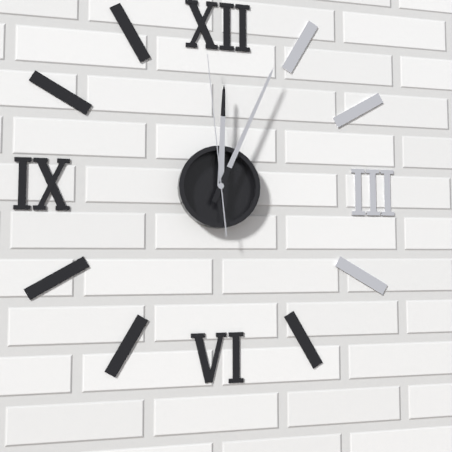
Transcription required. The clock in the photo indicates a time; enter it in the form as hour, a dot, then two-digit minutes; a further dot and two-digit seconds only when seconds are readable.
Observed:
12.04.59
